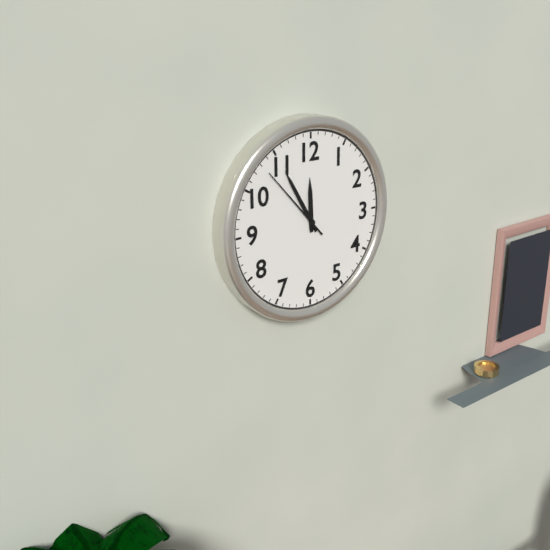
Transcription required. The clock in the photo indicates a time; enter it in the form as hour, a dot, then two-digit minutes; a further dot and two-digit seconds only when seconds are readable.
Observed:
11.55.53
